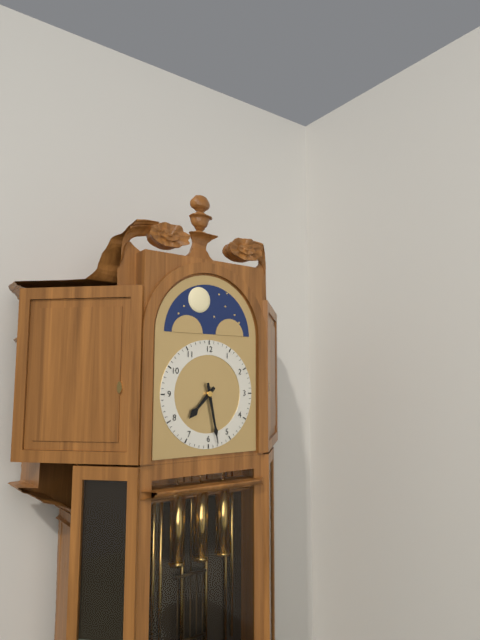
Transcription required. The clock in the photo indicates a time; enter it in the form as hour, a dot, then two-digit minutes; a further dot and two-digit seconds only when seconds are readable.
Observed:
7.28
